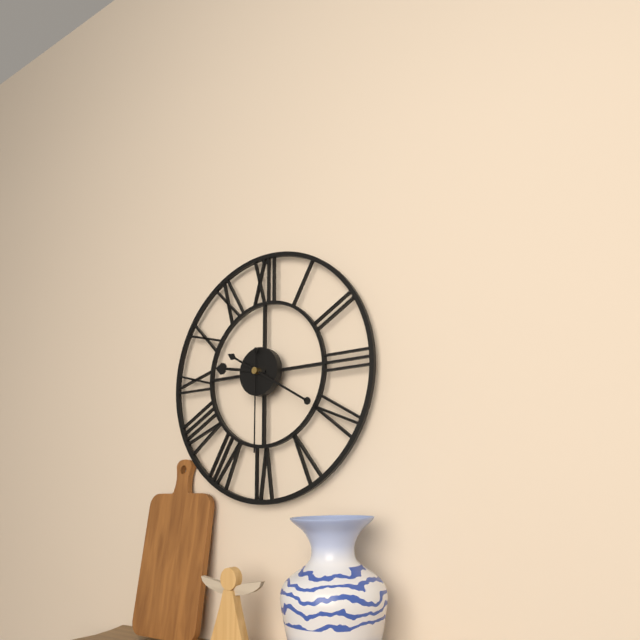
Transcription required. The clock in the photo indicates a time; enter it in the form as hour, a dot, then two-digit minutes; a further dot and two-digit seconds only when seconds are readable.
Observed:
9.20.30
